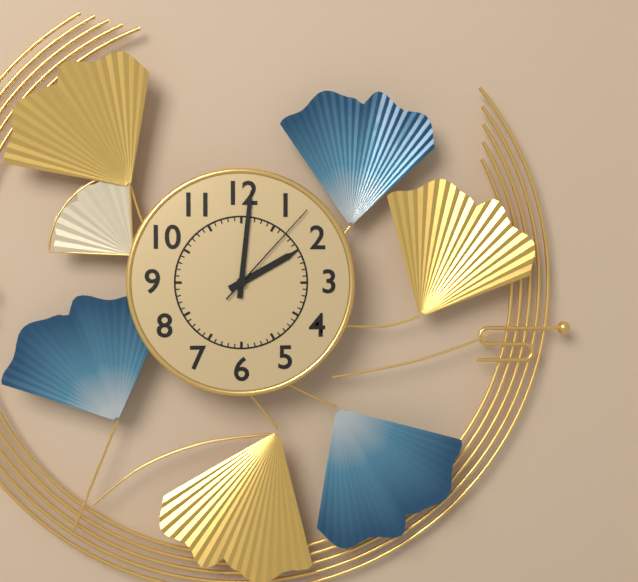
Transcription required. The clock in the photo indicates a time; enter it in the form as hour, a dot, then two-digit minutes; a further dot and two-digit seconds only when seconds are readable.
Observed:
2.01.07
